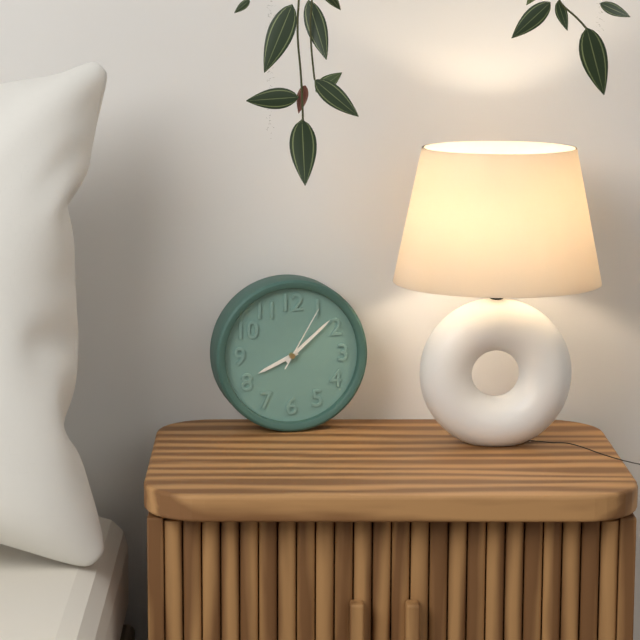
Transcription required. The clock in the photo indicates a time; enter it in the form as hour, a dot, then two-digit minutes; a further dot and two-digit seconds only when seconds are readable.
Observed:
8.08.05
